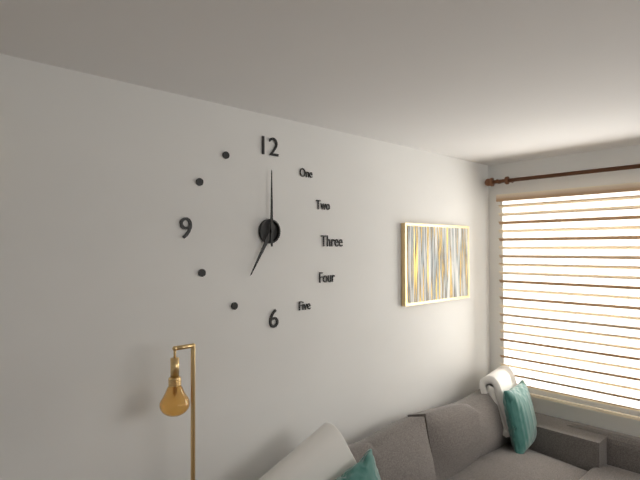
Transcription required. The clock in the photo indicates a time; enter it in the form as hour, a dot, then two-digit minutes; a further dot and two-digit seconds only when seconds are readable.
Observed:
7.00
